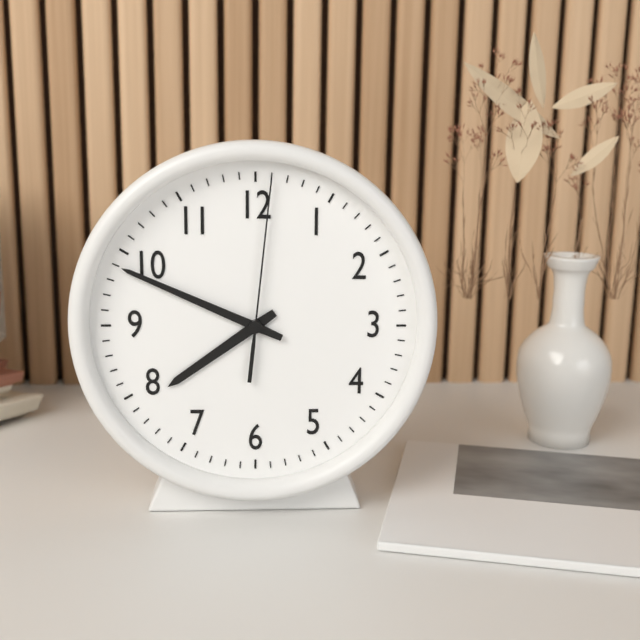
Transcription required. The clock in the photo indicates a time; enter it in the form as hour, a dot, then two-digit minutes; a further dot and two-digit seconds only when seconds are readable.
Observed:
7.49.01
